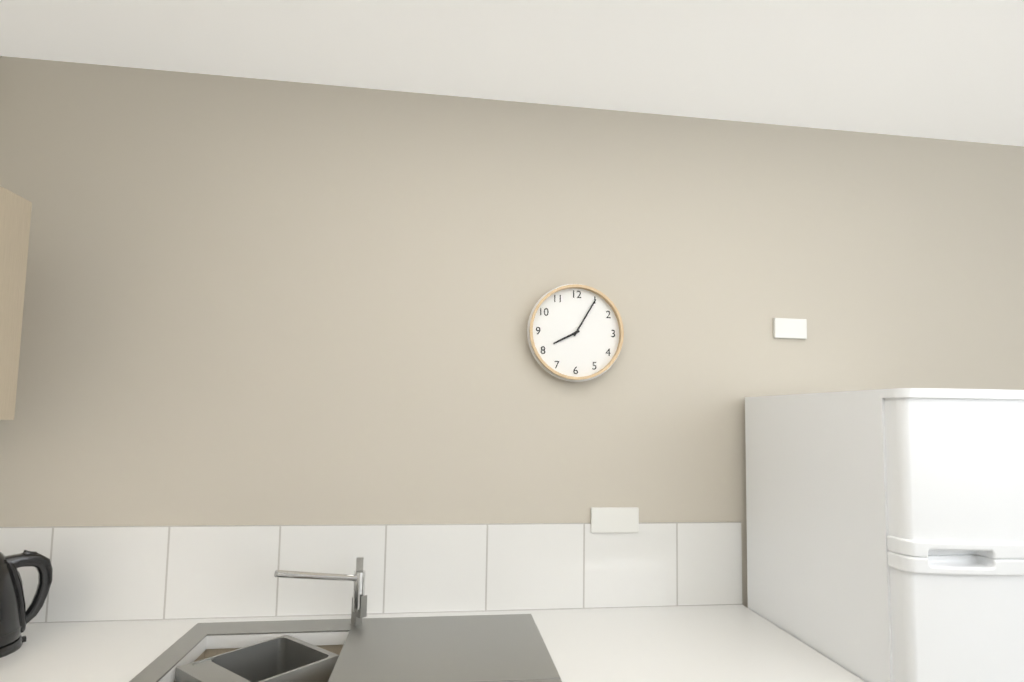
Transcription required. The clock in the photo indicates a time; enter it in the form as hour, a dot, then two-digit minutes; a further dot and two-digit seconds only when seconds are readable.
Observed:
8.05
